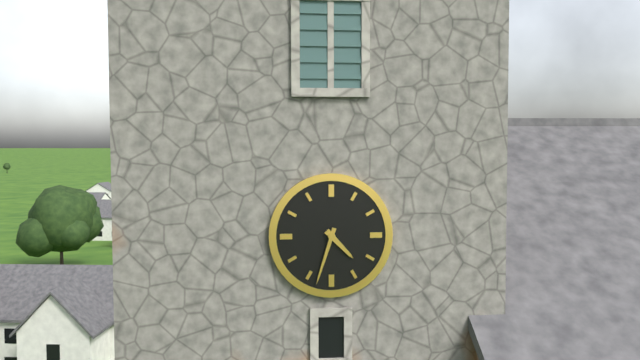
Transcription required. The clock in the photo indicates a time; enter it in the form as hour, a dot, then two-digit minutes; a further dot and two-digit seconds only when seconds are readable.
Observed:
4.33
